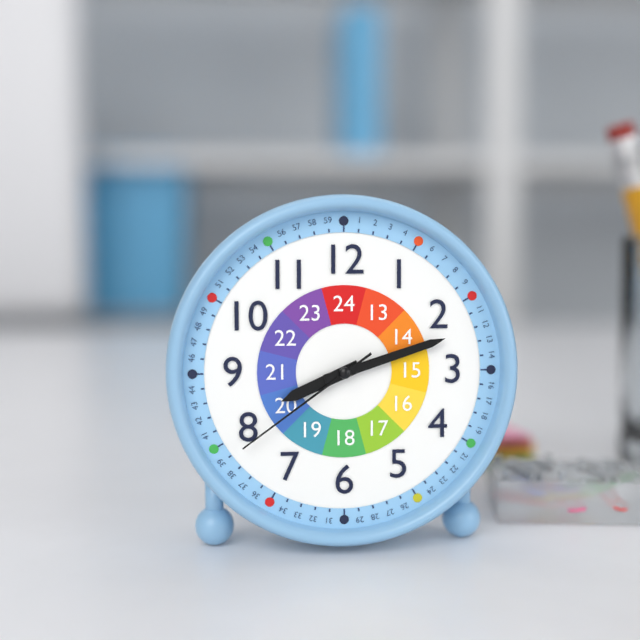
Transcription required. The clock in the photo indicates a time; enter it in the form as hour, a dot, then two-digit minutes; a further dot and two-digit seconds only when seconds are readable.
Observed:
8.12.39
